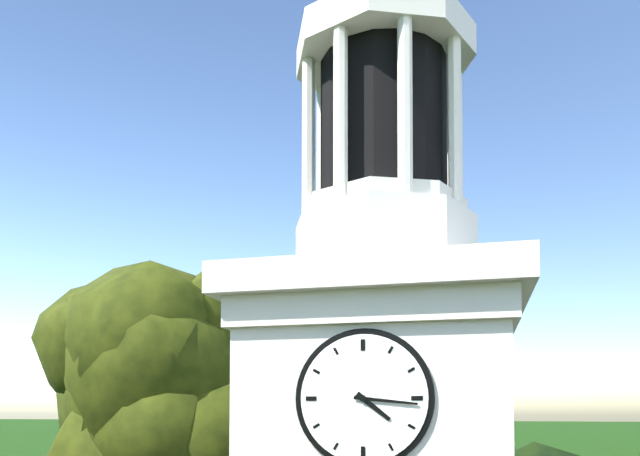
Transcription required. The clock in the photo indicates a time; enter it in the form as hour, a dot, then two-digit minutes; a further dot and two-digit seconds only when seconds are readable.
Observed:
4.16
